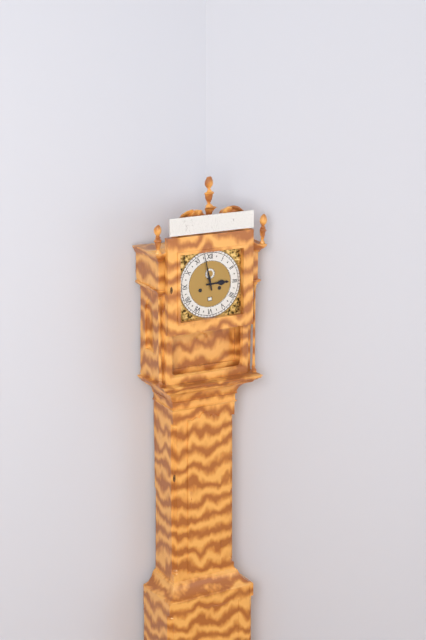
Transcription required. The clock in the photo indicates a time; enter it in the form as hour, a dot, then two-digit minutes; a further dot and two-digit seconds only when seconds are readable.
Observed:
2.58
